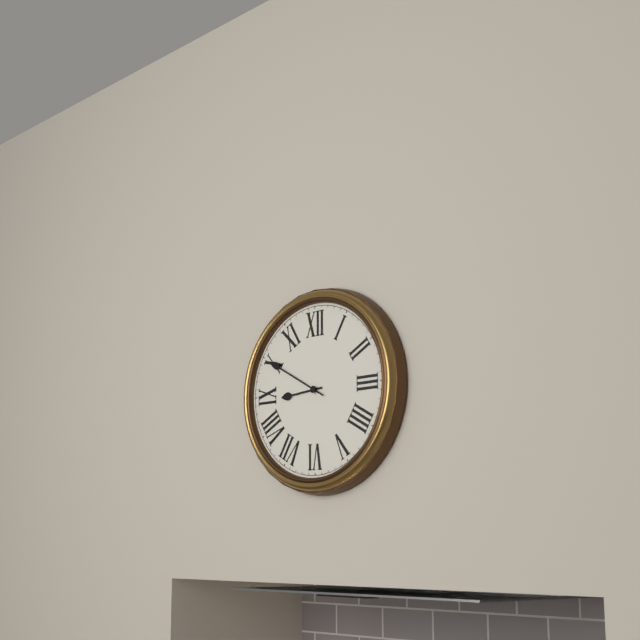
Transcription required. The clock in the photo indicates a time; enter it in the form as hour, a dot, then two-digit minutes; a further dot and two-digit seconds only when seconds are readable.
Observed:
8.50
